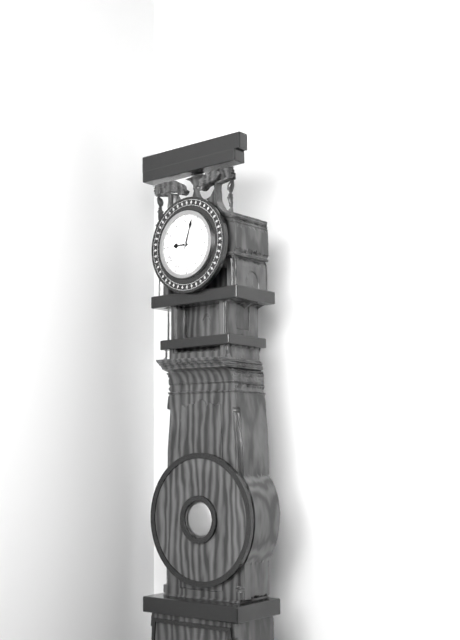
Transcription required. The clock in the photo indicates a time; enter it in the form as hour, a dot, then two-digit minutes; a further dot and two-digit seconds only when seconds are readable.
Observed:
9.03
